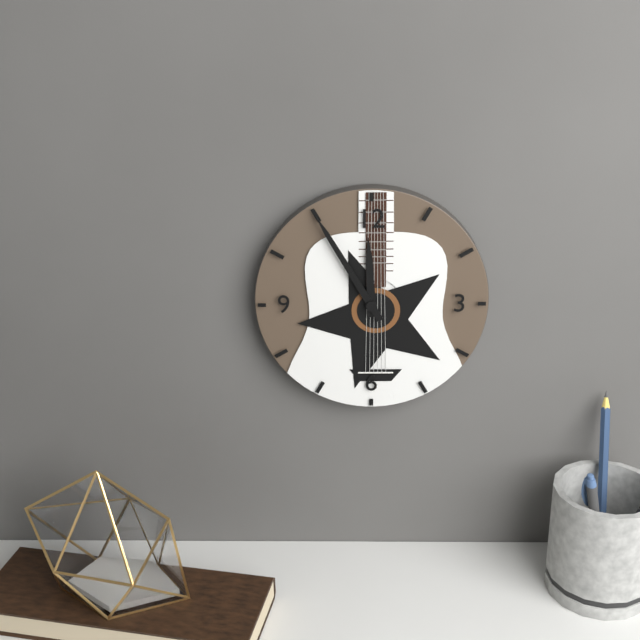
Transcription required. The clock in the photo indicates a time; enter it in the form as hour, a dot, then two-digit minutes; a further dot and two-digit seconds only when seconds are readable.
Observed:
11.55
